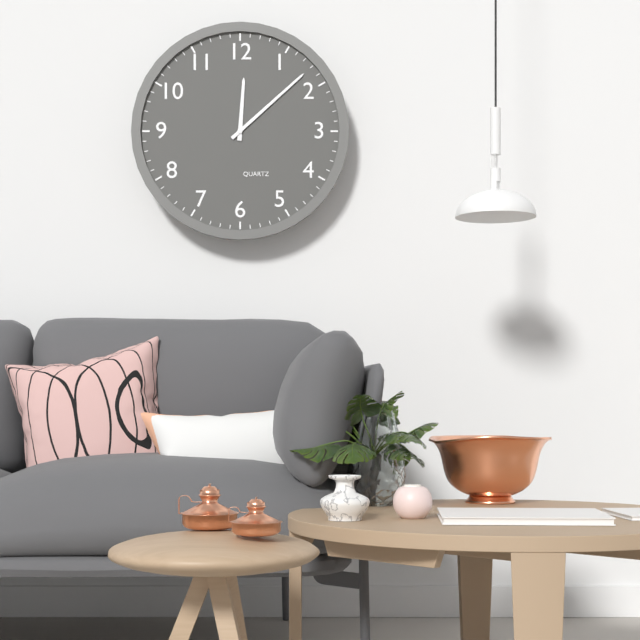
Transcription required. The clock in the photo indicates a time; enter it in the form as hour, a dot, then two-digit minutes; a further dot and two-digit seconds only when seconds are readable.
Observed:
12.08
